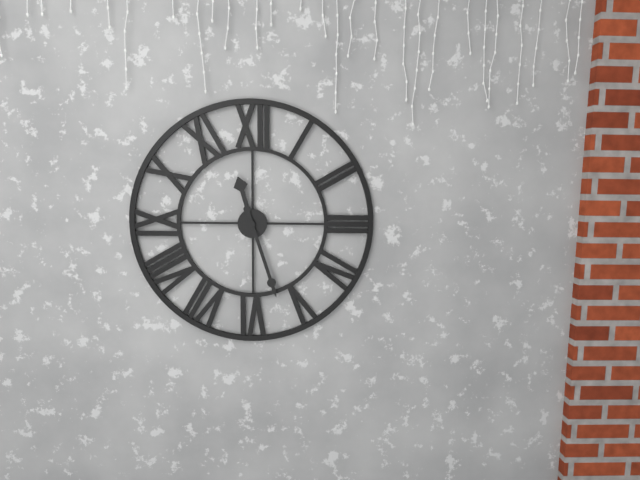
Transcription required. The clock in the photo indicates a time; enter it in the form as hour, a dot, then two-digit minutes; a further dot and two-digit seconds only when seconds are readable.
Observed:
11.27
